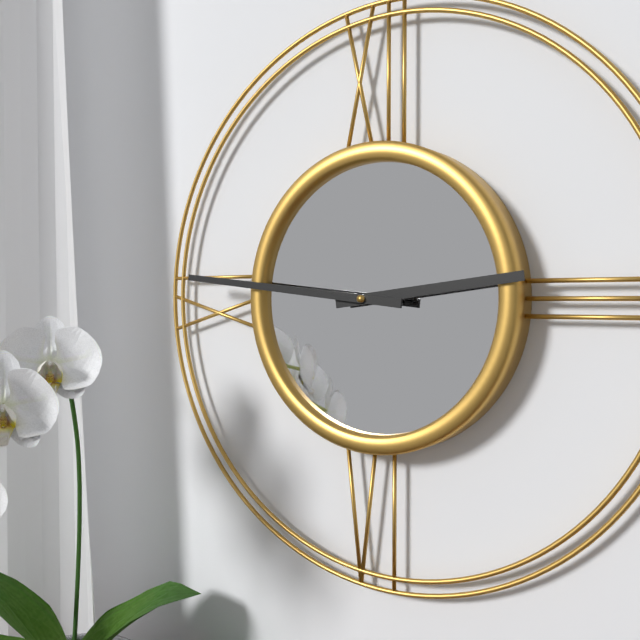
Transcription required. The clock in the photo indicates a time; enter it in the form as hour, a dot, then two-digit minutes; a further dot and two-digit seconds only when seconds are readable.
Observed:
2.46
